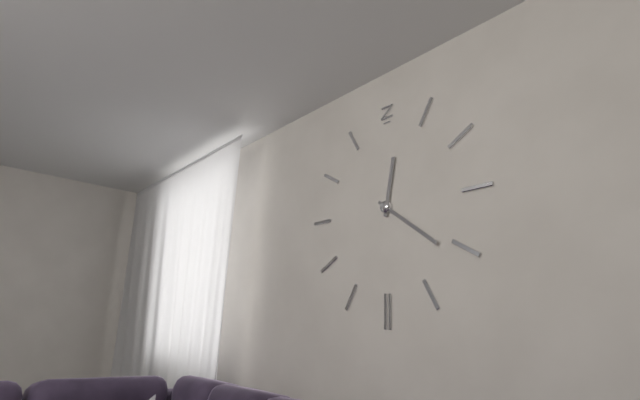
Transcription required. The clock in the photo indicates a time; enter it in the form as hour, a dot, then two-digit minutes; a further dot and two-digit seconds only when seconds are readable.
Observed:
12.21
